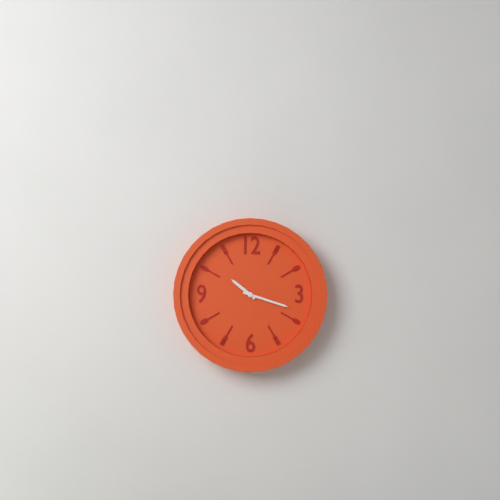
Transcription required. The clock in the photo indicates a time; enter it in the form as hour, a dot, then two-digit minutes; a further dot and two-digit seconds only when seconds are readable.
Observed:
10.18
